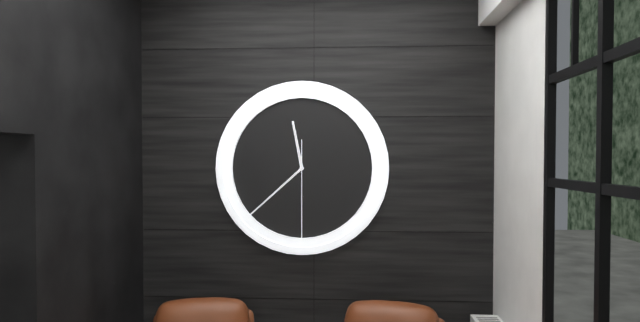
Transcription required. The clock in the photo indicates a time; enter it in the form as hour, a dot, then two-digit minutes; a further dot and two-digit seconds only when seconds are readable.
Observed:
11.38.30
